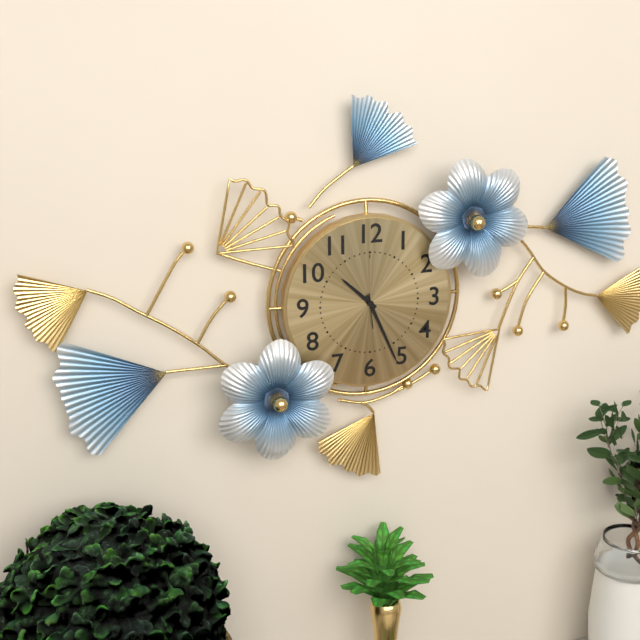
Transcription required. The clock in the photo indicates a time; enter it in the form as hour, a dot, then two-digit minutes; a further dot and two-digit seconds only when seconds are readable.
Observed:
10.26
